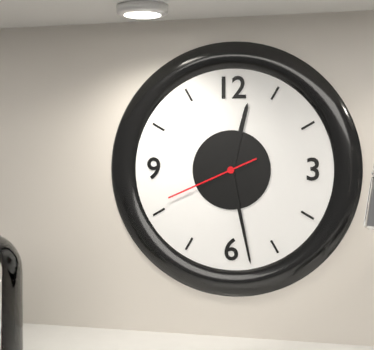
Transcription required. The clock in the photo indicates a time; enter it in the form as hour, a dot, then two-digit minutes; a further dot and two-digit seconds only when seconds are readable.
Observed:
12.28.41
